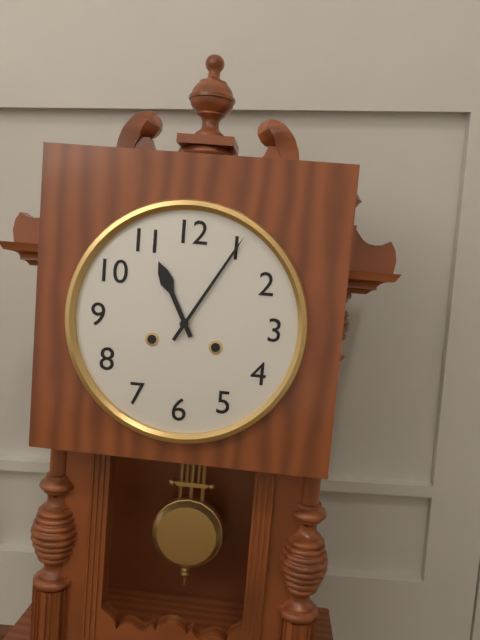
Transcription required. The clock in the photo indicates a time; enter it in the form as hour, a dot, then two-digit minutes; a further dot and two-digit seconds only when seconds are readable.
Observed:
11.05
